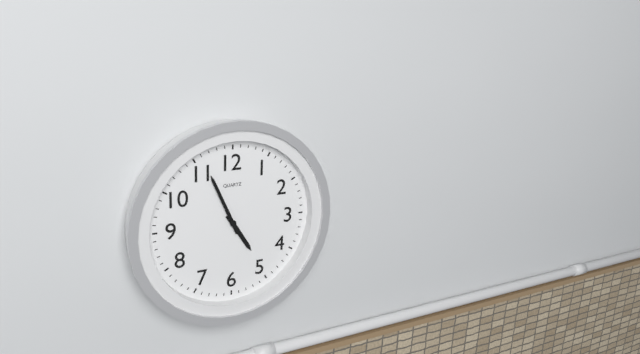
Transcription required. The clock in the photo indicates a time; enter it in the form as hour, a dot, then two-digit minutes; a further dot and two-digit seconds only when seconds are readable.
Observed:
4.56
